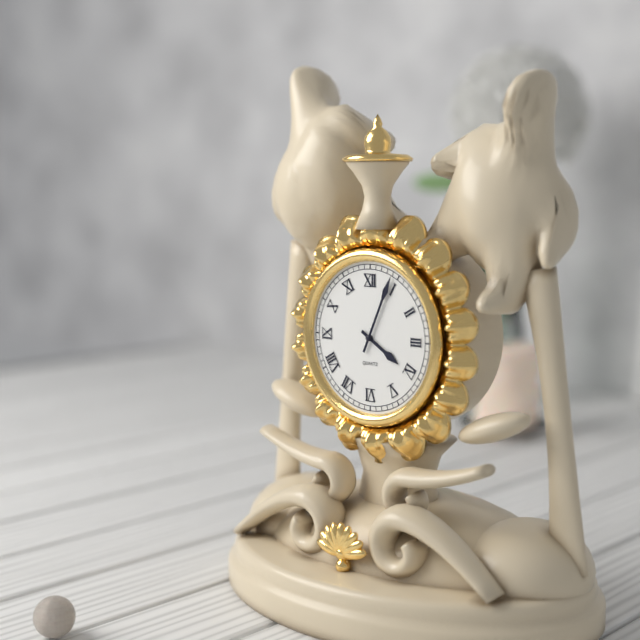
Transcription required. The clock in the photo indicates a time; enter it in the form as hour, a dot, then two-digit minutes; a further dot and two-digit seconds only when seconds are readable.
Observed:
4.04
